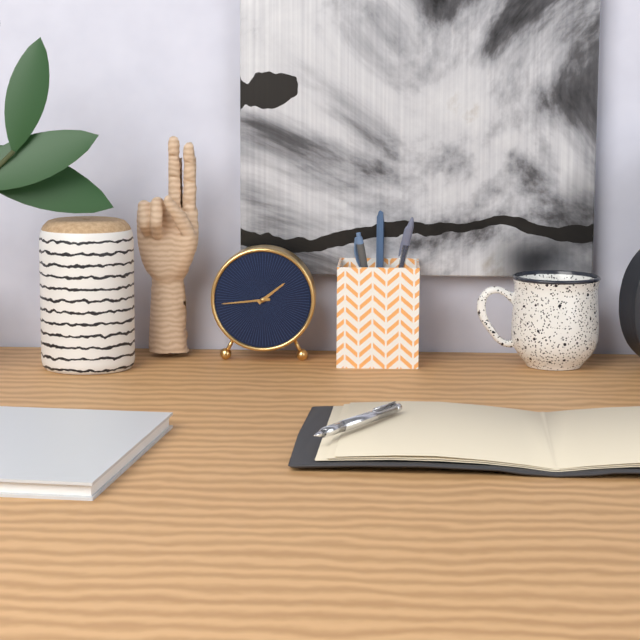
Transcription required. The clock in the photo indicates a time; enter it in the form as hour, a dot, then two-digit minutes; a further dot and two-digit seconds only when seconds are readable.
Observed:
1.44
